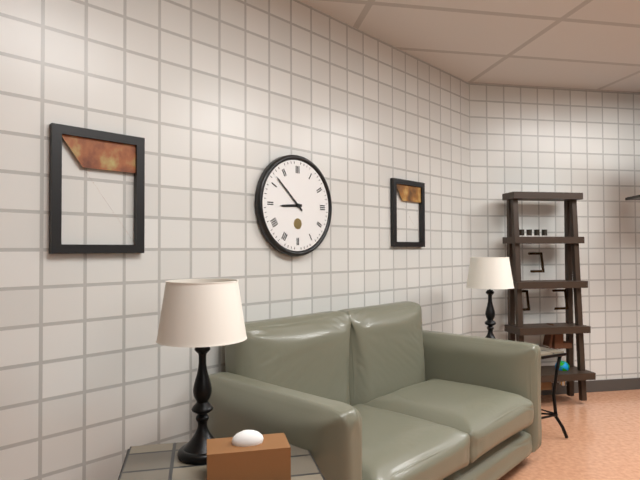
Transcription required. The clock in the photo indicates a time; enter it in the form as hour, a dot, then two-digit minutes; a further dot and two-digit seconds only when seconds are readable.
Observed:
8.52
